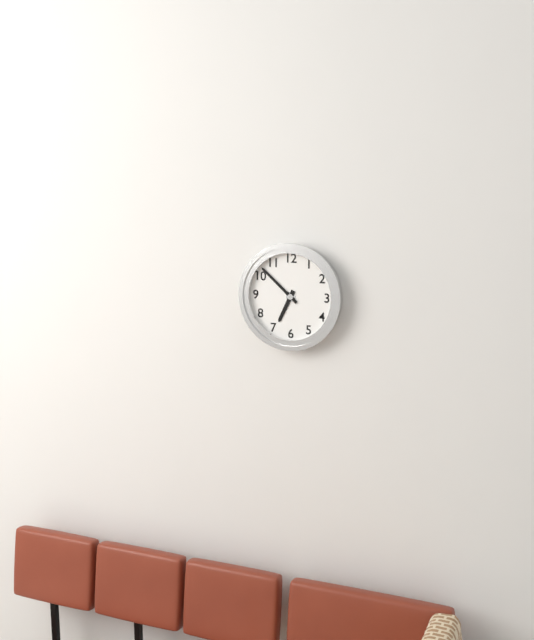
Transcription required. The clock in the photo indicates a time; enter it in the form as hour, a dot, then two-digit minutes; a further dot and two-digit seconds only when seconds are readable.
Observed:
6.52
